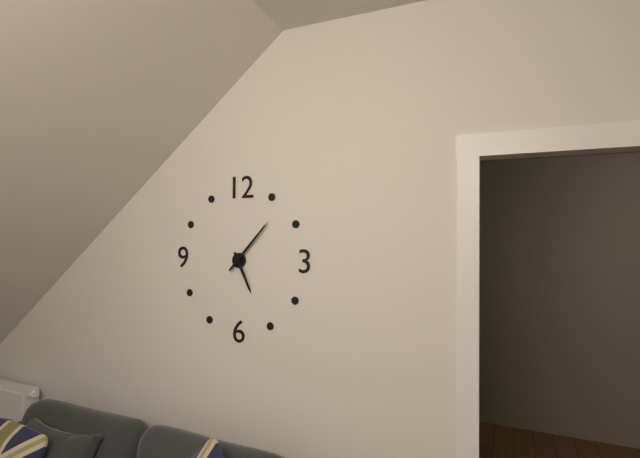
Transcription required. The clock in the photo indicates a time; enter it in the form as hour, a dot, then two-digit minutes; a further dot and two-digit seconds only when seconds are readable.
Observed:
5.07
